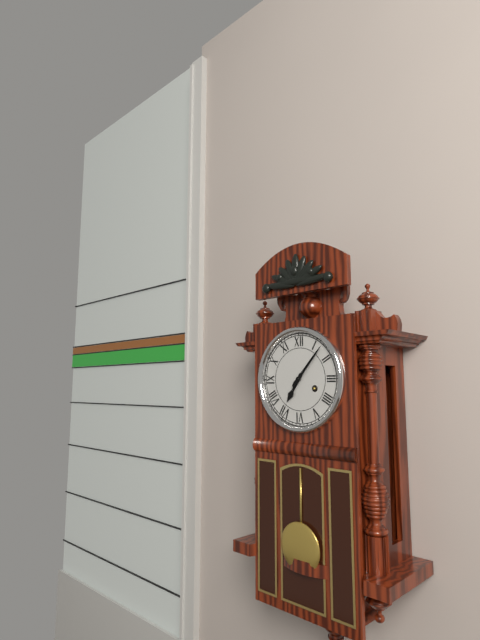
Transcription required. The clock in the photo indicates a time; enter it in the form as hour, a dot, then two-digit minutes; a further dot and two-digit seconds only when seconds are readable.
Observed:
7.07
